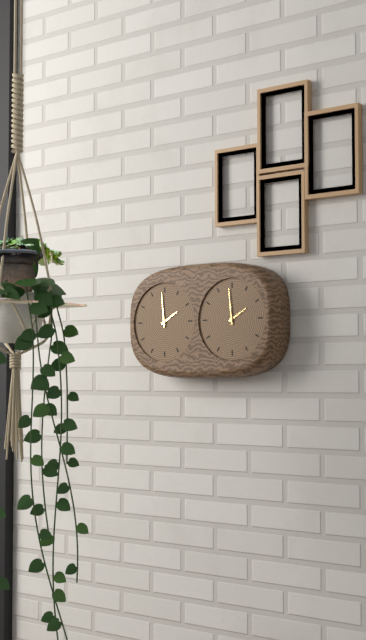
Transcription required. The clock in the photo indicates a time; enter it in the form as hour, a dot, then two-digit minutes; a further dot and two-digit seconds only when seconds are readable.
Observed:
1.59
